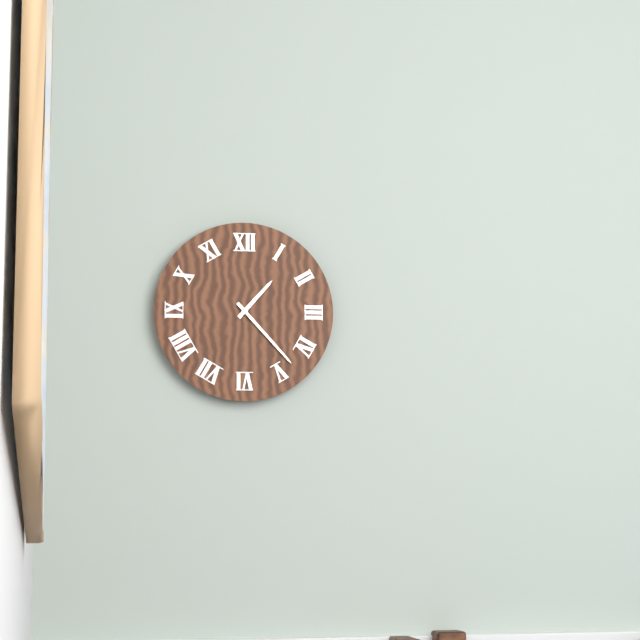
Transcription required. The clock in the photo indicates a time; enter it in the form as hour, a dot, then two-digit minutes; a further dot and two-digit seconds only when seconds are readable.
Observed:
1.23
